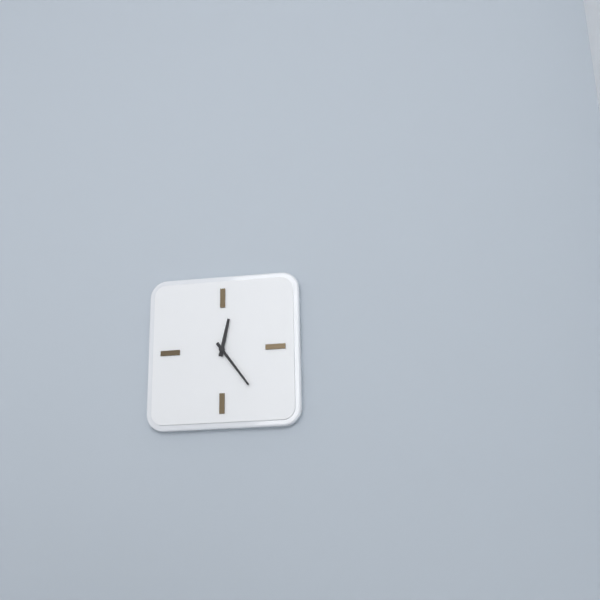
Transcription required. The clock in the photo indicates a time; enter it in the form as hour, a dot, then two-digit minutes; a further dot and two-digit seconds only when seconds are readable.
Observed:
12.24
